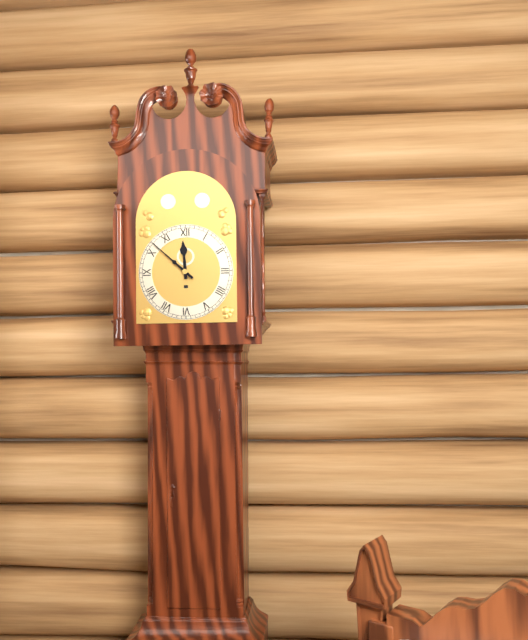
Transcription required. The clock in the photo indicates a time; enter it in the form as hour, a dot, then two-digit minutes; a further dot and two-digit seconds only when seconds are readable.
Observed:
11.52
